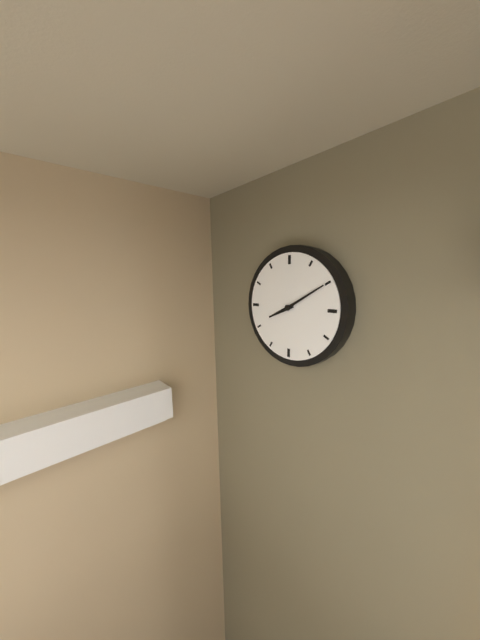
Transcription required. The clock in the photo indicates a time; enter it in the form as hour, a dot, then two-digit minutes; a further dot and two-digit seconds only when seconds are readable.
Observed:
8.10
